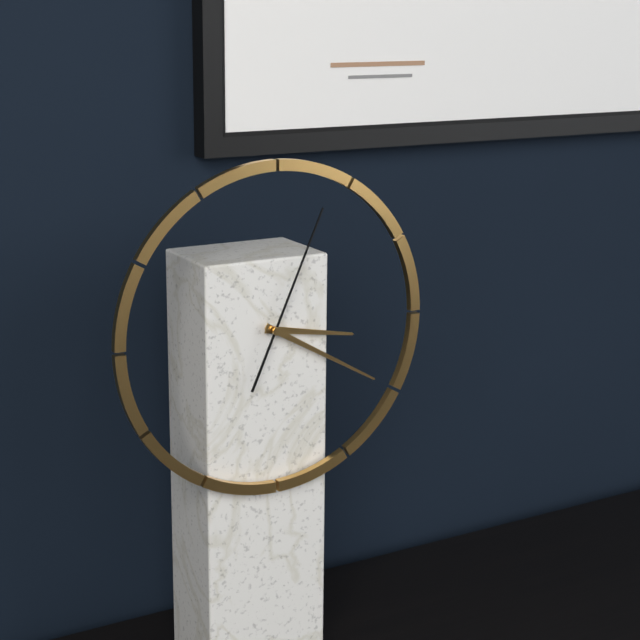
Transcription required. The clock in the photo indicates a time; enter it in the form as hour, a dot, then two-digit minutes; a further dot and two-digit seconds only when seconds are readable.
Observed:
3.20.04
